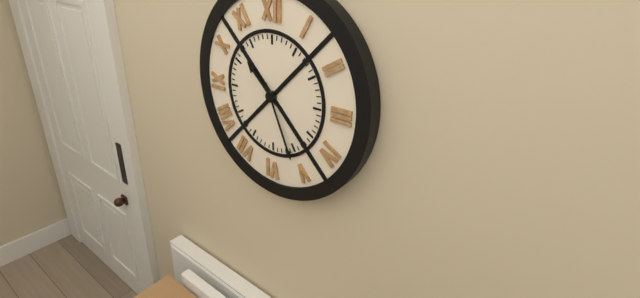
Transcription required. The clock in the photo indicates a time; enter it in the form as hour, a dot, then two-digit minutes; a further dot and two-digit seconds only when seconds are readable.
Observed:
10.26
